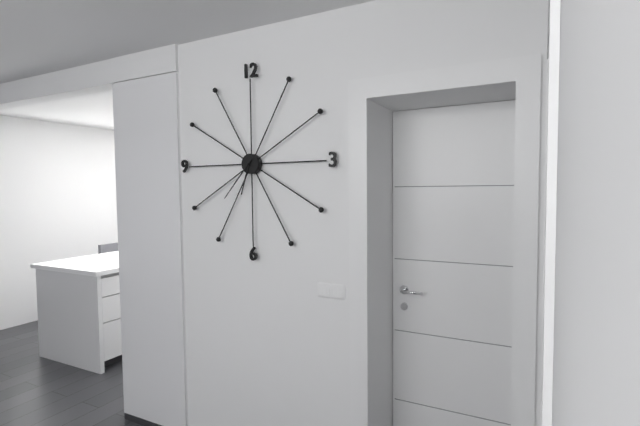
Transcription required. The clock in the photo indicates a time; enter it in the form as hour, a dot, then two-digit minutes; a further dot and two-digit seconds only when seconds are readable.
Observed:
6.37
